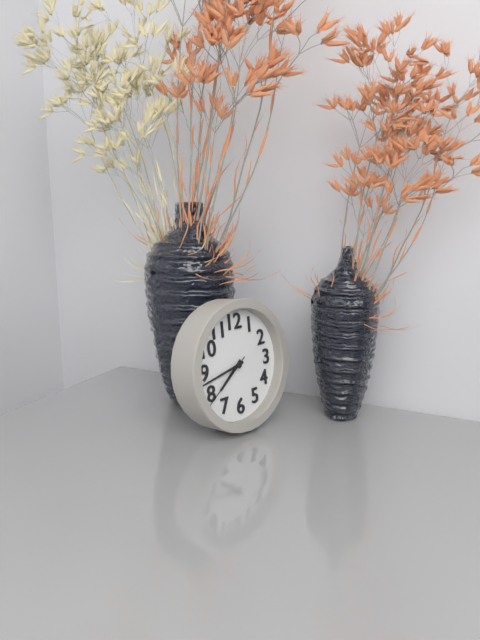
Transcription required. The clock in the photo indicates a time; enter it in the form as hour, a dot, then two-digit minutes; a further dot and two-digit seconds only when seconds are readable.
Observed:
7.43.39
